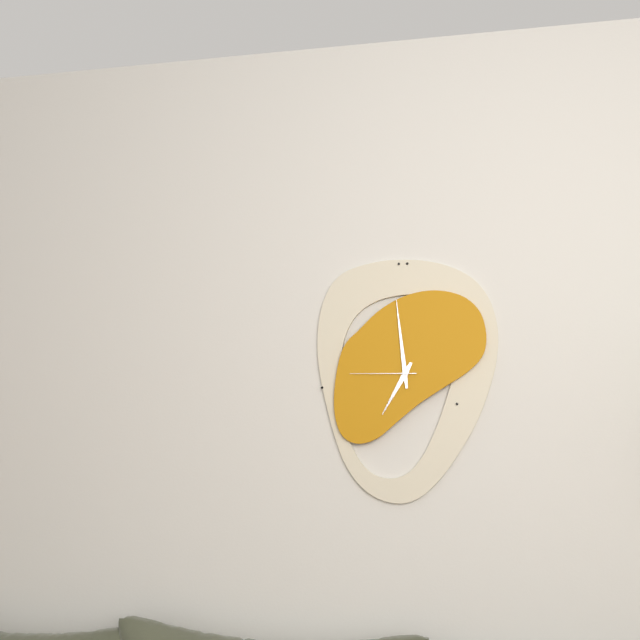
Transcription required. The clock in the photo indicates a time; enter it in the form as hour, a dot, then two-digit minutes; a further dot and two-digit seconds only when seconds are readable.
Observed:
6.59.45
